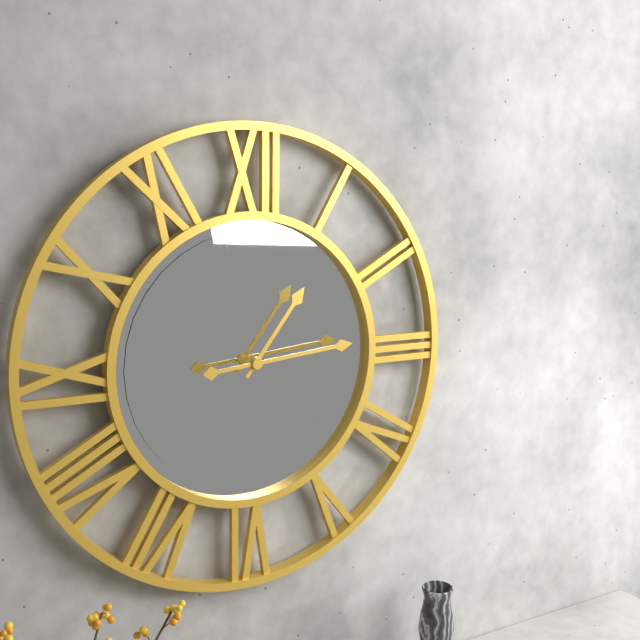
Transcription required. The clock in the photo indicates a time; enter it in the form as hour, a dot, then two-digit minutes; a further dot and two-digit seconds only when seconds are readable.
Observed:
1.14
